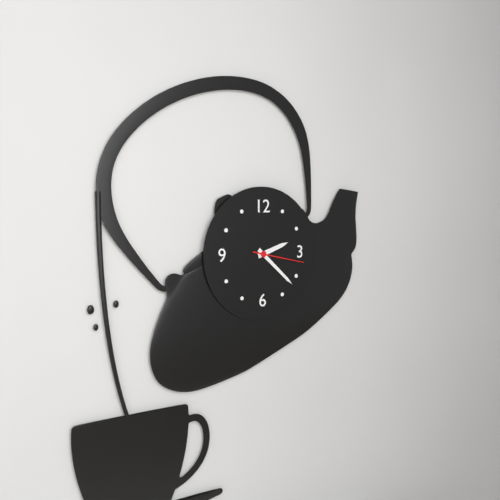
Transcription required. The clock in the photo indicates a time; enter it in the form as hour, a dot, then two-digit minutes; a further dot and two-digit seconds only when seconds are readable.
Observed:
2.22.17
